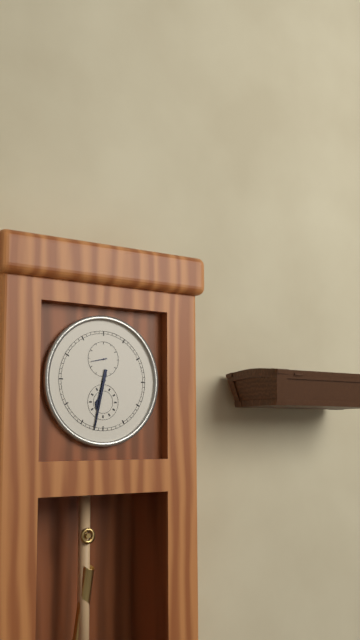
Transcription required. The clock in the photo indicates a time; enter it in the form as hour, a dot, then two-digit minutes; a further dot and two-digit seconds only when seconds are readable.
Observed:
6.32
